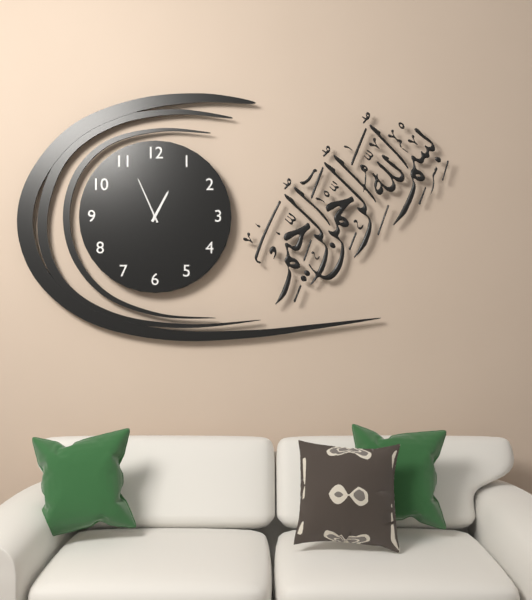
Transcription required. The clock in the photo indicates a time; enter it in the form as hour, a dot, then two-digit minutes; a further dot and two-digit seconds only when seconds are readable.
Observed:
12.56
